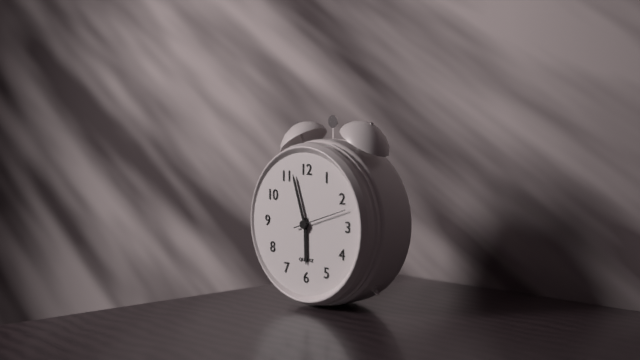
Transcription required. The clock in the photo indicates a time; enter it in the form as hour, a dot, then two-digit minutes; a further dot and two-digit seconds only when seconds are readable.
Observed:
5.57.12
